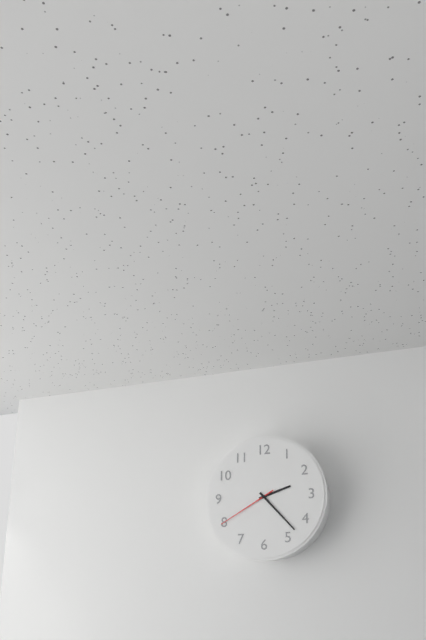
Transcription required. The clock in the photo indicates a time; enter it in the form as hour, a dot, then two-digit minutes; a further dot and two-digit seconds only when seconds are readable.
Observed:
2.23.40
